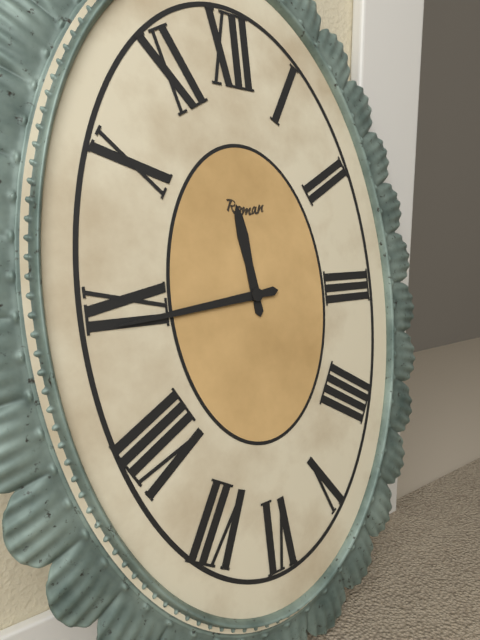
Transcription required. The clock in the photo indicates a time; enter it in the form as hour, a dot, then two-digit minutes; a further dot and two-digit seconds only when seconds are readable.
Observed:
11.44
